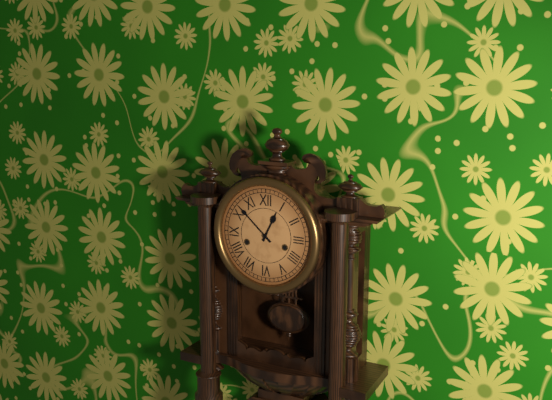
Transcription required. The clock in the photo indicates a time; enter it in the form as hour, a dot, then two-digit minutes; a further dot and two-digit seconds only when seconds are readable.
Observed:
12.52
